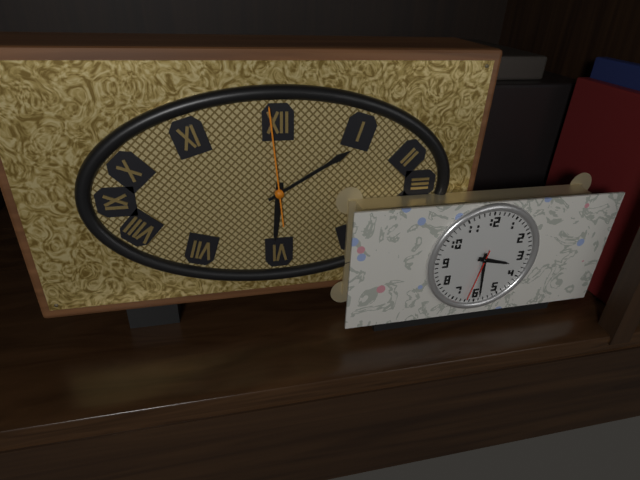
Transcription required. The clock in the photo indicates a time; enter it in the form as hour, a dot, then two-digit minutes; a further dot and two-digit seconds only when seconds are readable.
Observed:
6.10.59
